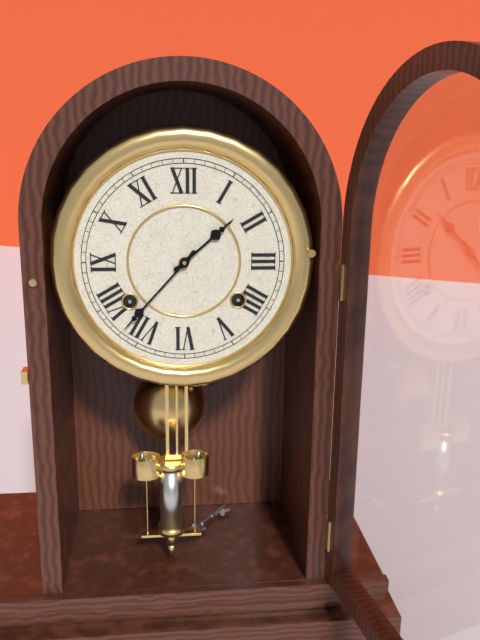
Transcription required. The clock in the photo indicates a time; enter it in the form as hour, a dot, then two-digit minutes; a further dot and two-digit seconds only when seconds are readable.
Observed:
1.37
